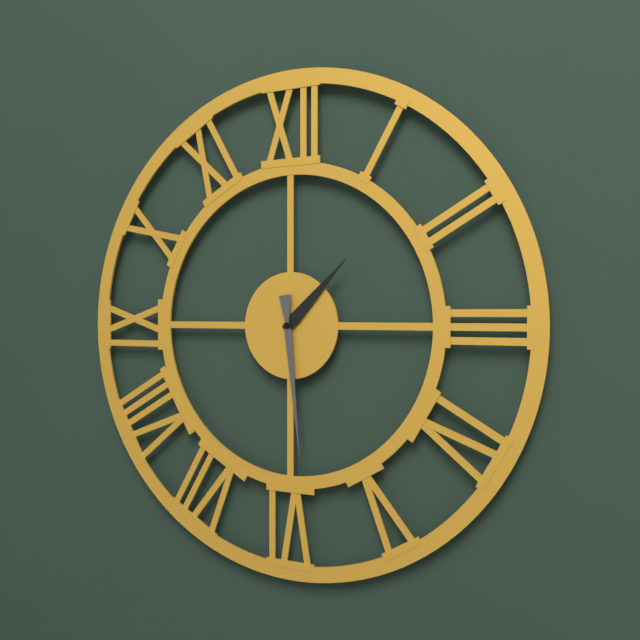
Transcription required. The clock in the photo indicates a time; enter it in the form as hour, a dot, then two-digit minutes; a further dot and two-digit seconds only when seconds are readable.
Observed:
1.29
